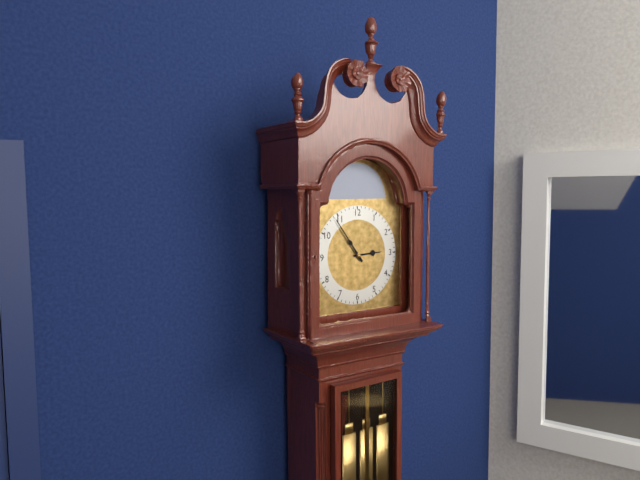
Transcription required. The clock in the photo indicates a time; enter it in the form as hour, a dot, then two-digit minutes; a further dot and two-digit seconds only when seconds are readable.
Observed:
2.54
